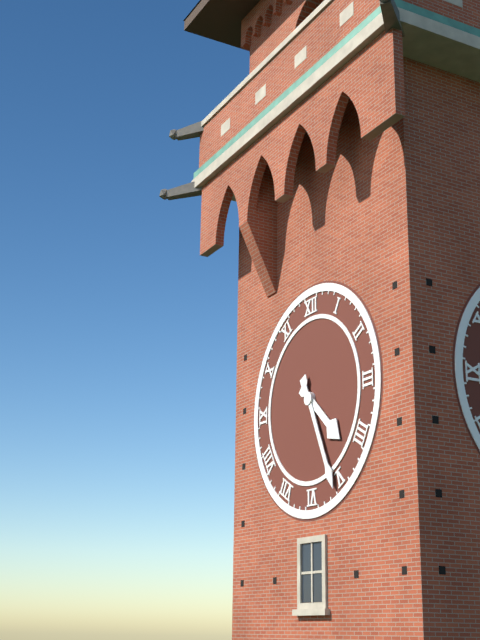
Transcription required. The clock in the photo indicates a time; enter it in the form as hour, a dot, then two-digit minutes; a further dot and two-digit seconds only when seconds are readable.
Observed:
4.26
